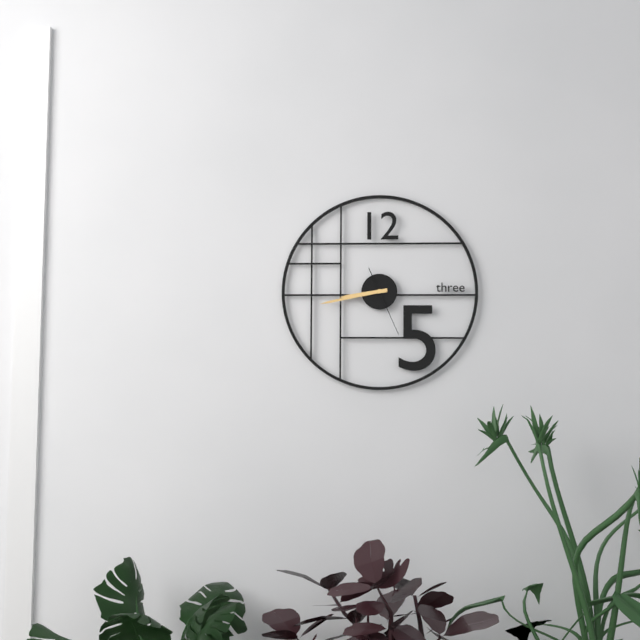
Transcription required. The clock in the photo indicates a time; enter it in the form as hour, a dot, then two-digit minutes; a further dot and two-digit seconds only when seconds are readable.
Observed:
8.43.26
